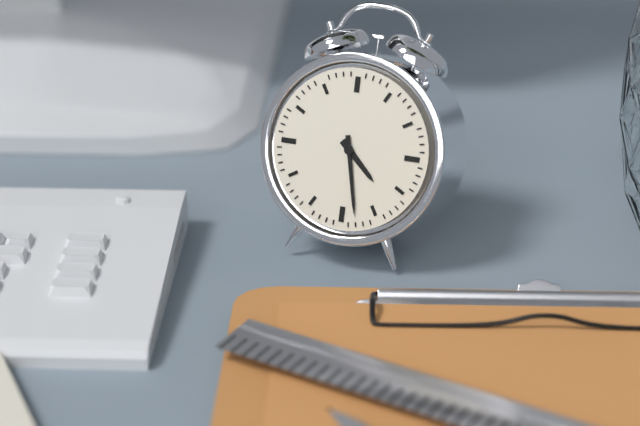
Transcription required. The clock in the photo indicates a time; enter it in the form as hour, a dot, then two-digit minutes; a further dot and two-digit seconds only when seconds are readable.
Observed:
4.28
